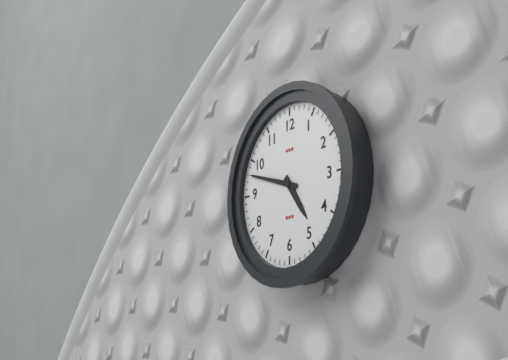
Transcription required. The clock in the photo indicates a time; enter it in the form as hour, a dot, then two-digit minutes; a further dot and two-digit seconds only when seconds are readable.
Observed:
4.48
